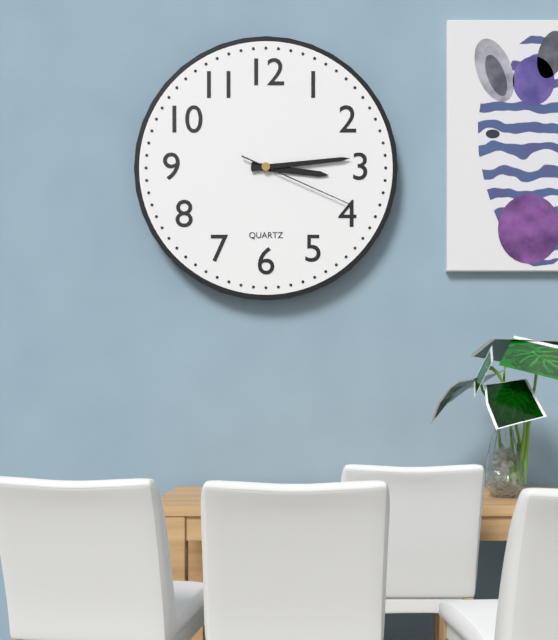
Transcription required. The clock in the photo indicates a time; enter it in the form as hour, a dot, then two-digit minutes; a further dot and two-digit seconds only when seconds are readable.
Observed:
3.14.19
